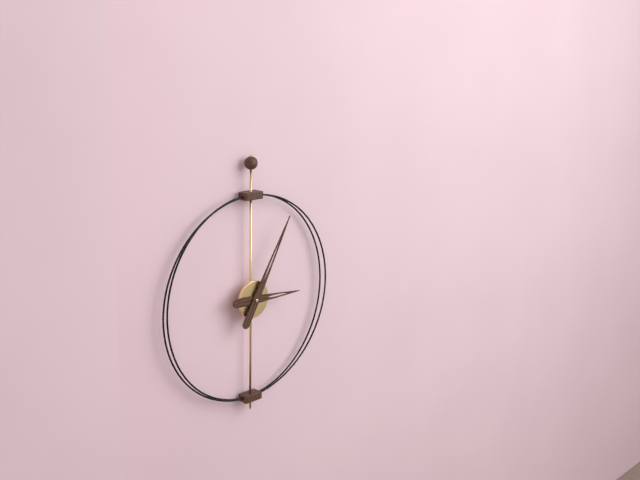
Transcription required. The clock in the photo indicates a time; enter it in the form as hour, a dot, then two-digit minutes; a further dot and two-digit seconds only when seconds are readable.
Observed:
3.05
